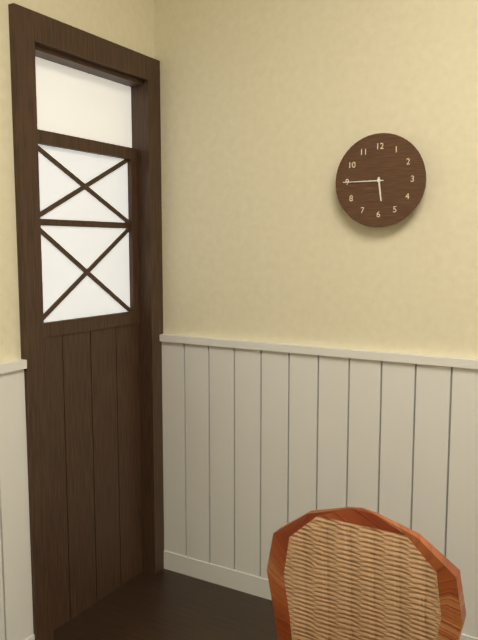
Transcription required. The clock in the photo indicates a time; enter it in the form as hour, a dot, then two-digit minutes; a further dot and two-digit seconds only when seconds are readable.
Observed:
5.45
